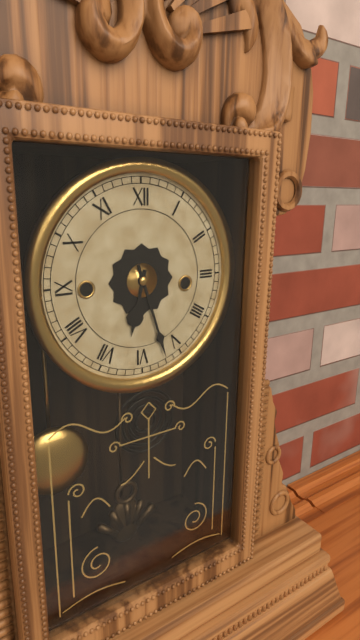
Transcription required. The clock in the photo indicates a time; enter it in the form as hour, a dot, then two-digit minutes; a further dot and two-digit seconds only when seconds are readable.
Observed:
6.27
